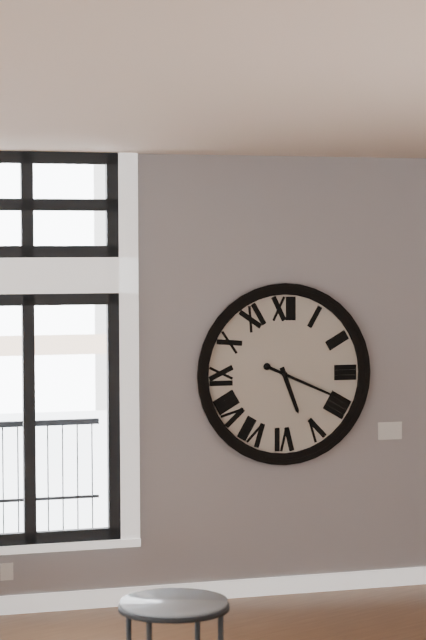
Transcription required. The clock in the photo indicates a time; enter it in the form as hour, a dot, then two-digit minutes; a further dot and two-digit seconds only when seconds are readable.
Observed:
5.19
